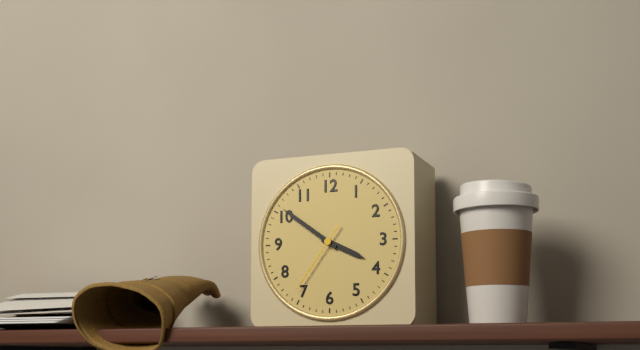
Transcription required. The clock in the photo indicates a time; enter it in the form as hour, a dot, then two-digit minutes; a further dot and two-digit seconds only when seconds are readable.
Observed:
3.51.36
